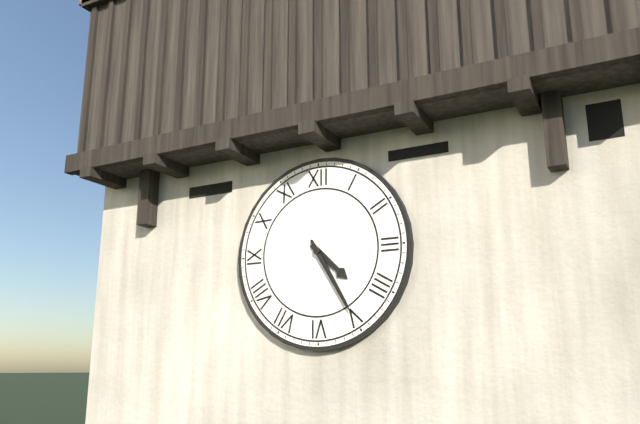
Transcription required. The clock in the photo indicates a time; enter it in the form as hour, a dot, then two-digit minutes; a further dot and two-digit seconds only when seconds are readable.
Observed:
4.25
